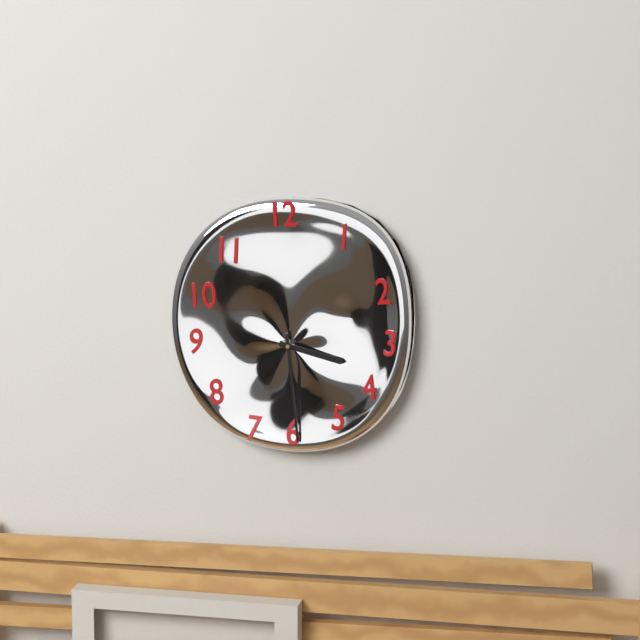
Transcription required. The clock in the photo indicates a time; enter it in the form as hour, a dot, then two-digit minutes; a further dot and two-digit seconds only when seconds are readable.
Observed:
3.29
